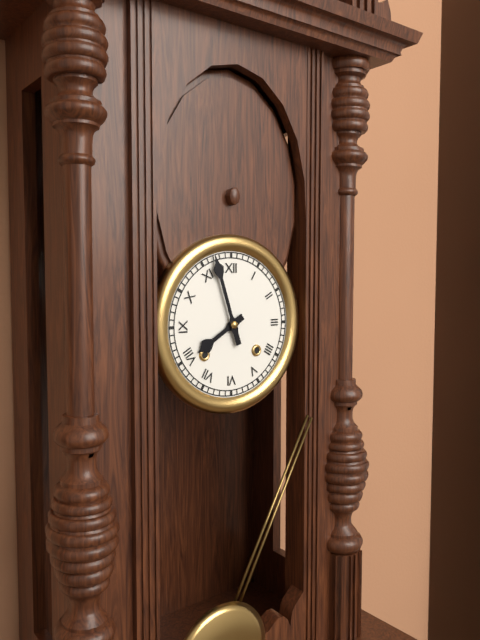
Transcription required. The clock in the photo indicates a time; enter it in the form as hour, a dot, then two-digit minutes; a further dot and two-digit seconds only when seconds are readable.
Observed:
7.57
